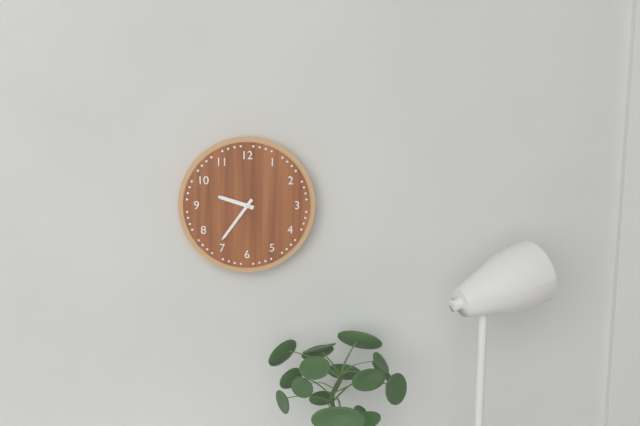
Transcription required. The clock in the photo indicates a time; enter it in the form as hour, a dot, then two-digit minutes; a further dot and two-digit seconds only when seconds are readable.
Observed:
9.36
